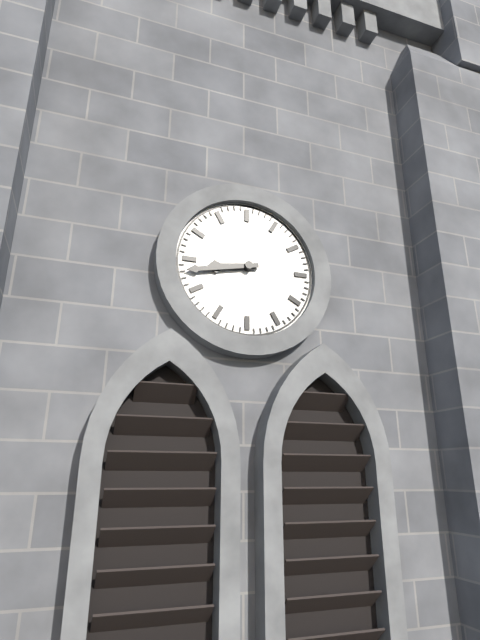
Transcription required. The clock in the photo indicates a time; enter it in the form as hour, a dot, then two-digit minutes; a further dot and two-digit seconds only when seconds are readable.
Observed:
8.43
